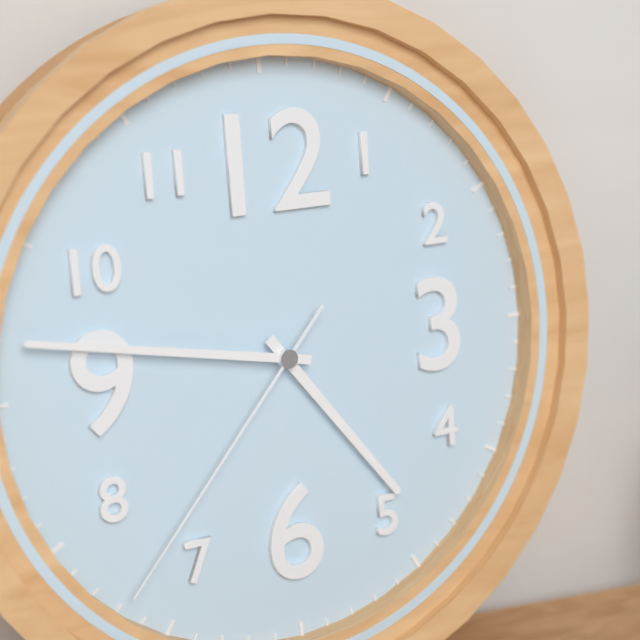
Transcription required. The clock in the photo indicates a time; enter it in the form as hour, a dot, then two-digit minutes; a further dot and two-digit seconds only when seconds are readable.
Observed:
4.47.37
